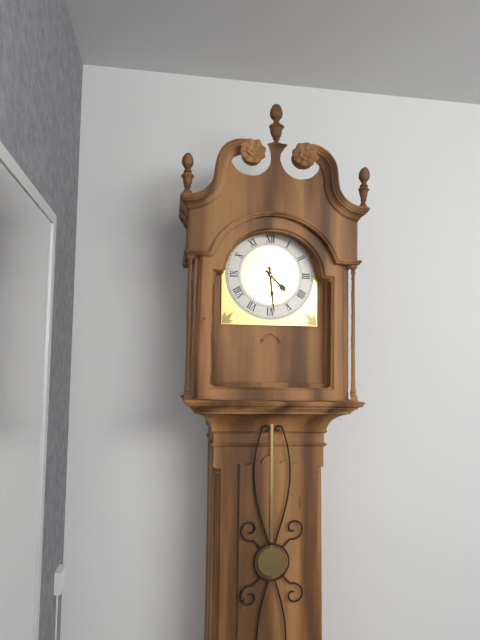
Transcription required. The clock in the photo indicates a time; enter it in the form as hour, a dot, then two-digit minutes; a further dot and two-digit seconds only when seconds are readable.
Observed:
4.29
